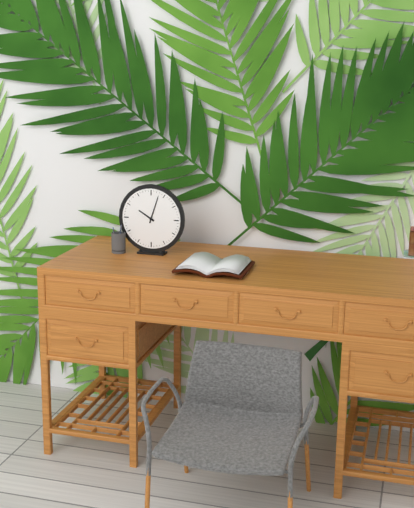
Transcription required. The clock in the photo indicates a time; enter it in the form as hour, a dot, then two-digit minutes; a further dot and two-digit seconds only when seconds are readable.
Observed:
10.03
